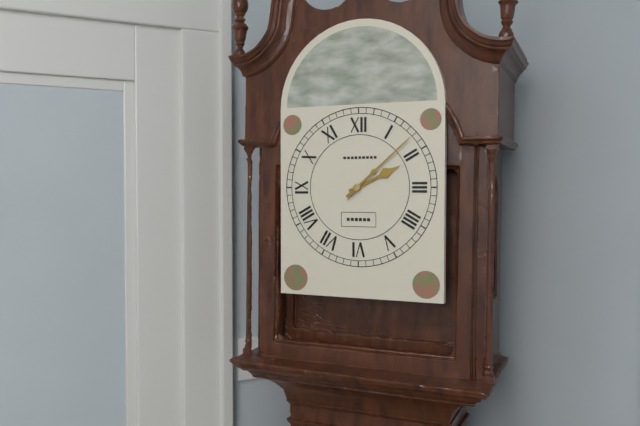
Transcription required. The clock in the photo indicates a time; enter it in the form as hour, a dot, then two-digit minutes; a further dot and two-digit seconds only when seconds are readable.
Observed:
2.08
